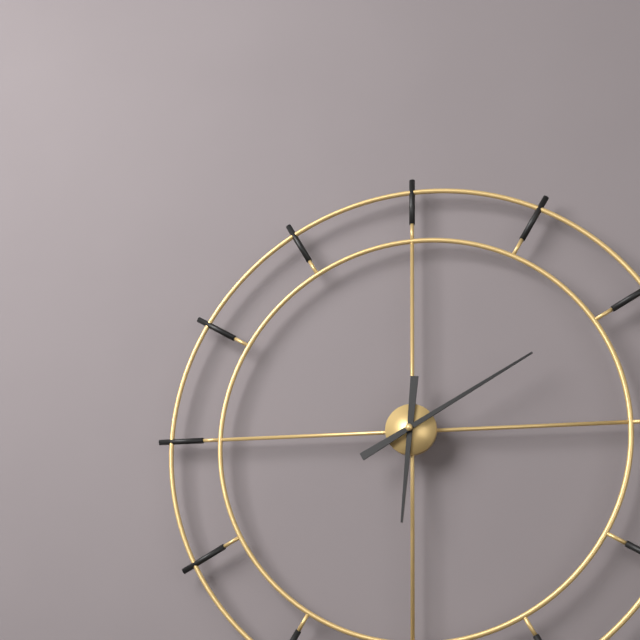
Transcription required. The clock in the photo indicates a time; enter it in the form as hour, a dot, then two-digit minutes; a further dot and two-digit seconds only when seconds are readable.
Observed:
6.10
